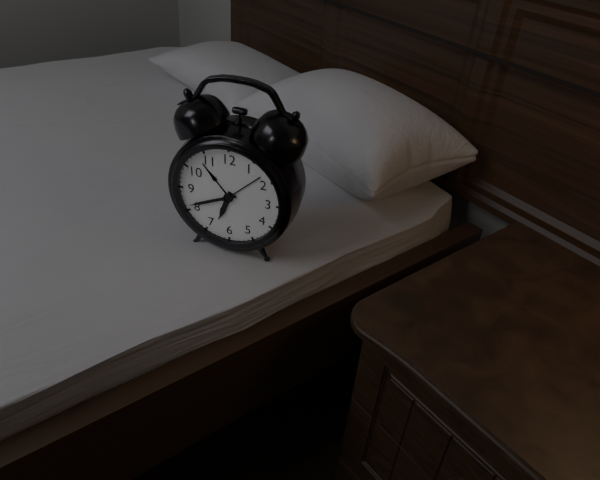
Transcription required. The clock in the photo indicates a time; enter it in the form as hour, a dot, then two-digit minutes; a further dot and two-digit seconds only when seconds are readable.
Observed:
6.41
